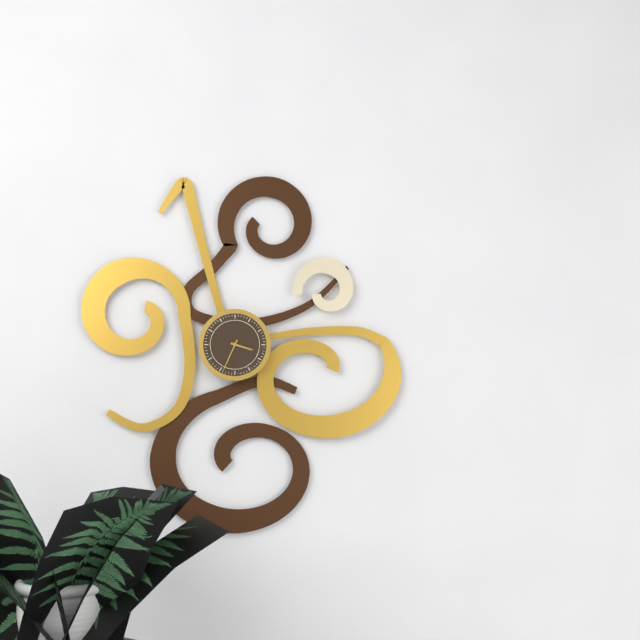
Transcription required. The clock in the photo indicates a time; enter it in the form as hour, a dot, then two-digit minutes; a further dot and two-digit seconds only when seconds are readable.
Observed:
3.34
